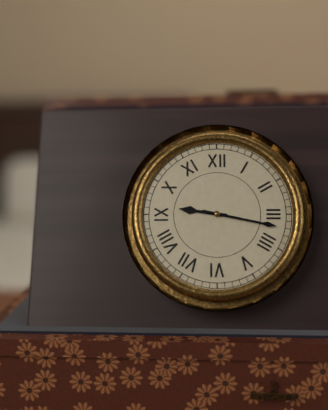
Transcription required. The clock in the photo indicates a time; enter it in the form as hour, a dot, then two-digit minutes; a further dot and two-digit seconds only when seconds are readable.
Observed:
9.17
